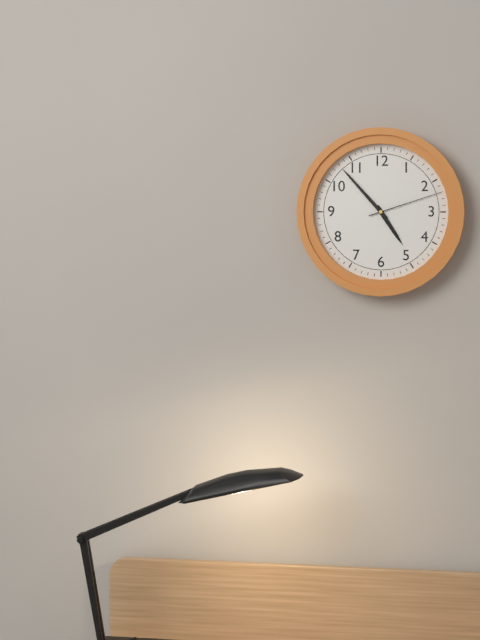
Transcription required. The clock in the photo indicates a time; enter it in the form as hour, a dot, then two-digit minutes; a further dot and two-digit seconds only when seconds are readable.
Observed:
4.53.12
